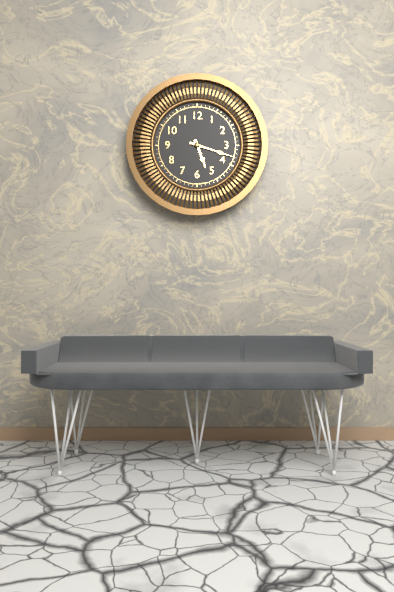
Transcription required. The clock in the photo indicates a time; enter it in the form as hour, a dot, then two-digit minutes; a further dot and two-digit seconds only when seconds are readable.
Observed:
5.18
